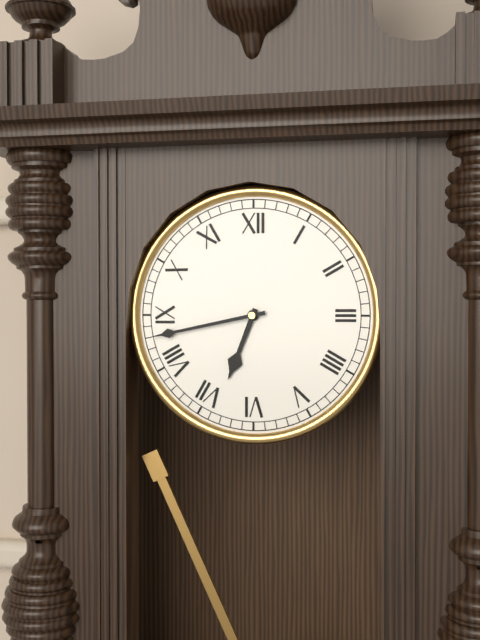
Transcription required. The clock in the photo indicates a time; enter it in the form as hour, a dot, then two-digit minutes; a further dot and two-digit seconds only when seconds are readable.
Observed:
6.43
